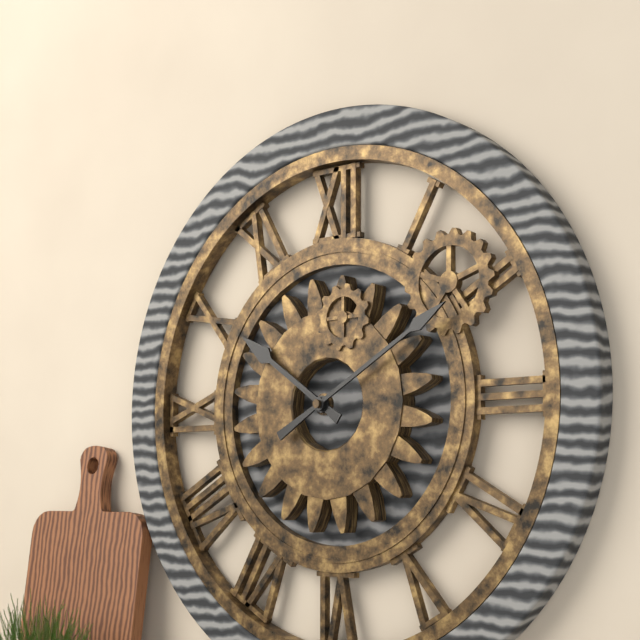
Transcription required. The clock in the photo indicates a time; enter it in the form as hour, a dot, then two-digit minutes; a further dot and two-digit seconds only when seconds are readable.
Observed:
10.10
